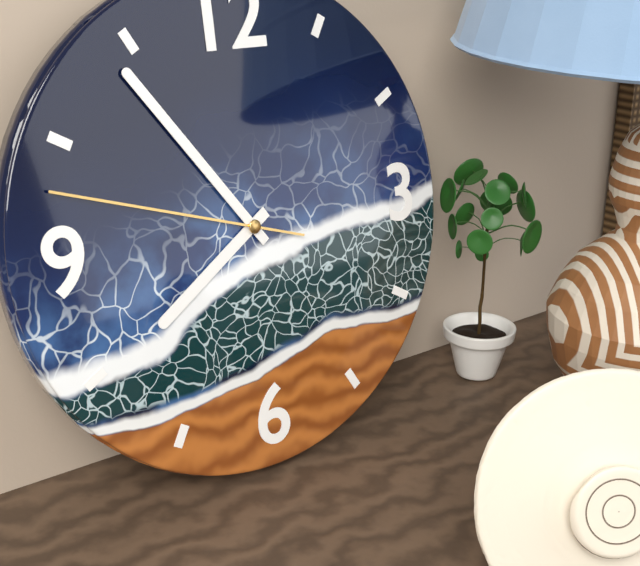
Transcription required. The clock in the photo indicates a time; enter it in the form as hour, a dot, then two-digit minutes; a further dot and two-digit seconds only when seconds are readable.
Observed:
7.54.48
